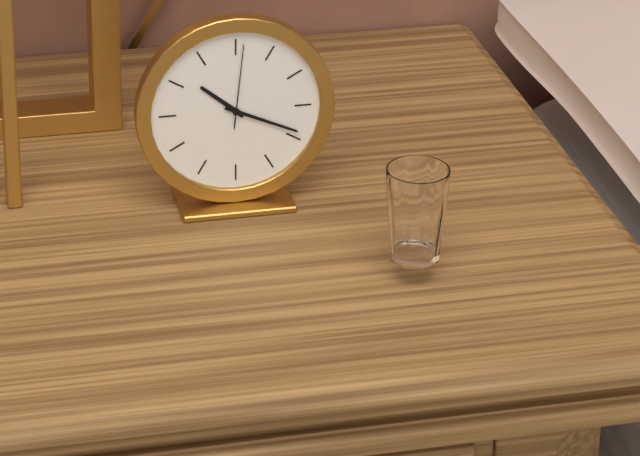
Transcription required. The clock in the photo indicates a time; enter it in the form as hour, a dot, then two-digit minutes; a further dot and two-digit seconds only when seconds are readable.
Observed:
10.19.01
